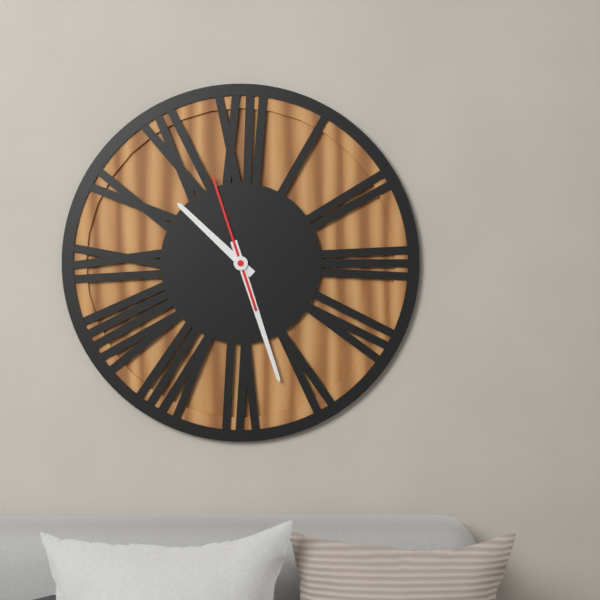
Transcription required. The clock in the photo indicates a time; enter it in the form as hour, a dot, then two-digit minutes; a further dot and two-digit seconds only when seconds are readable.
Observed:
10.27.57
